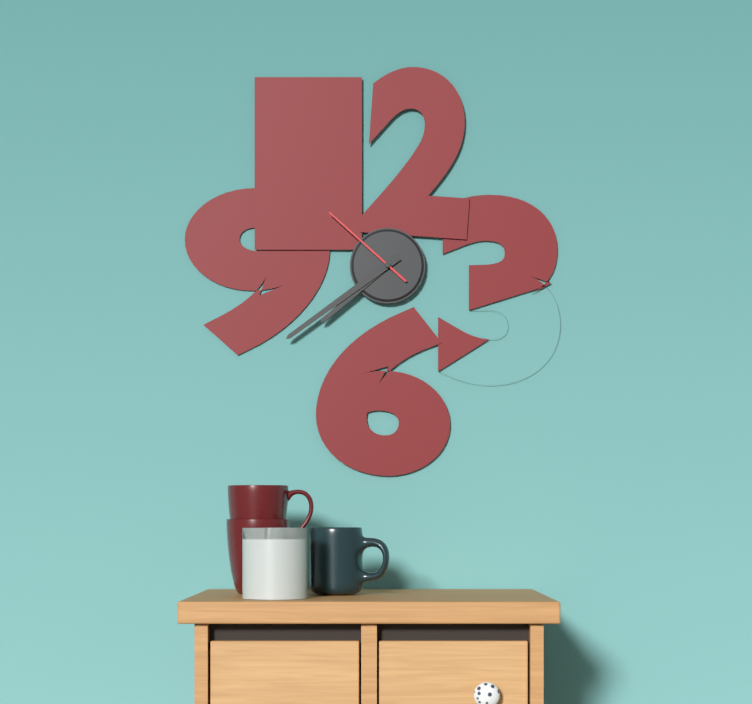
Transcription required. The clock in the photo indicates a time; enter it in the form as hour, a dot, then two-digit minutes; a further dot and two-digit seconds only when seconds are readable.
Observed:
7.39.52
